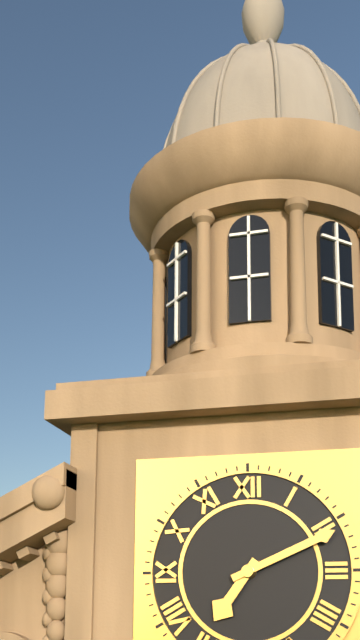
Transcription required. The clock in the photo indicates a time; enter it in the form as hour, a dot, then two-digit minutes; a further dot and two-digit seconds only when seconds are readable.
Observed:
7.11
